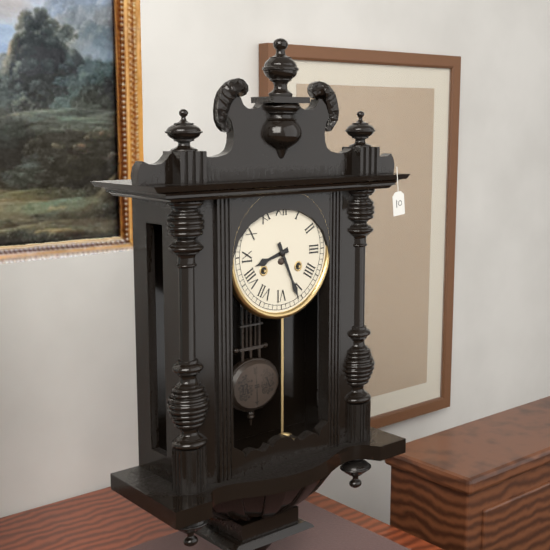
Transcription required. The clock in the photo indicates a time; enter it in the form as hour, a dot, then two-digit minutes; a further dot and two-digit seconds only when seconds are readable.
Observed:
8.26
